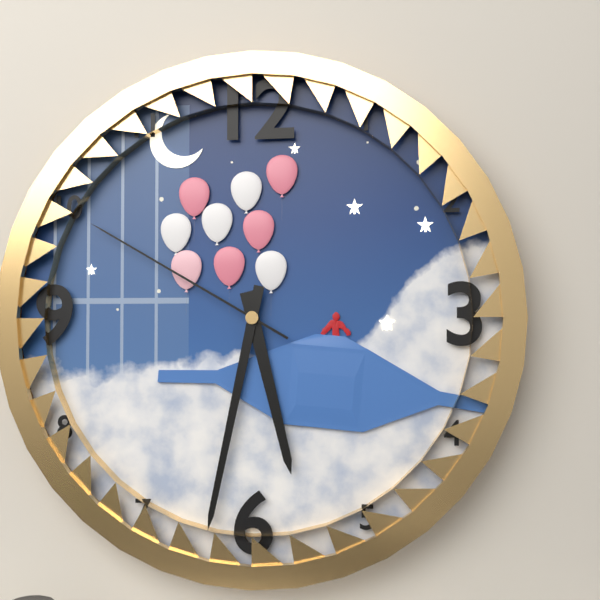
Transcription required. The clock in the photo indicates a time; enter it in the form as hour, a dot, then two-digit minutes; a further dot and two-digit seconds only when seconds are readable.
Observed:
5.32.50
